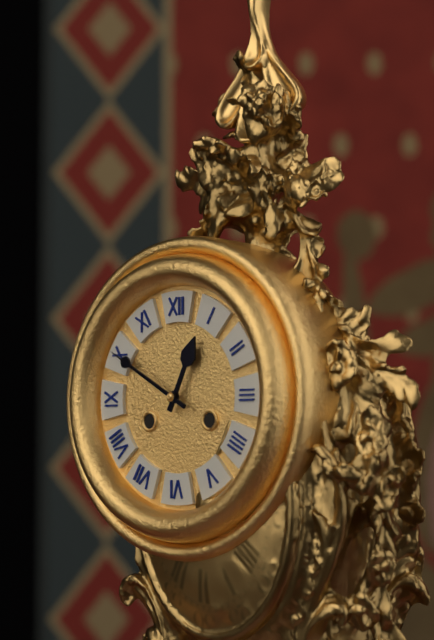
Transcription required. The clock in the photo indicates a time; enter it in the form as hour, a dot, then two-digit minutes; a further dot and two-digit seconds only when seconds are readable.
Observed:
12.50
